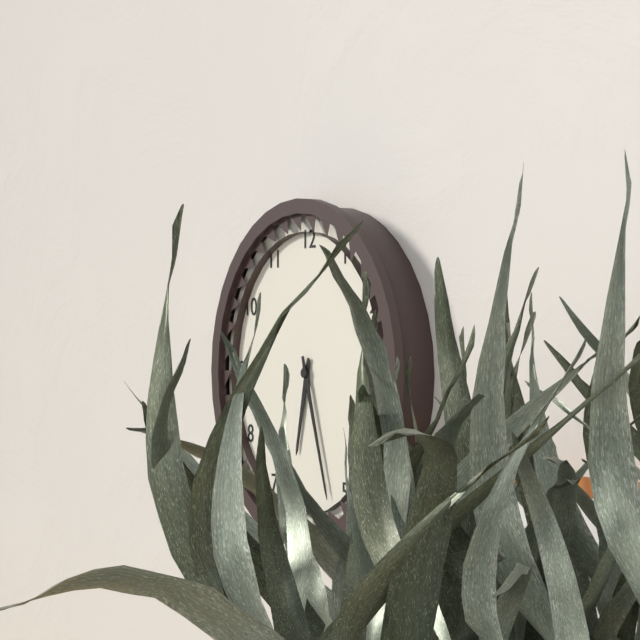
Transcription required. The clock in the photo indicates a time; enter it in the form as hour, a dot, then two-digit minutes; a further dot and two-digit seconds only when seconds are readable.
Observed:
6.27
